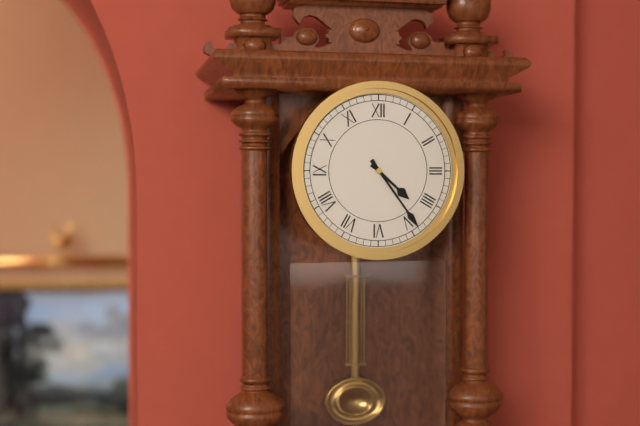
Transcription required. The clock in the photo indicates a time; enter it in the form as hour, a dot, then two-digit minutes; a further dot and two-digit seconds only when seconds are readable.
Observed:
4.24
